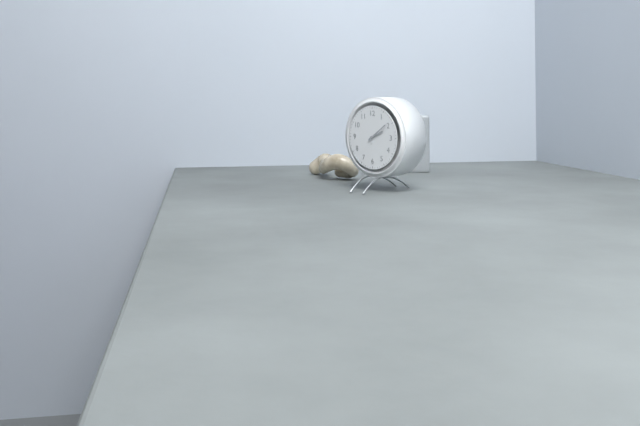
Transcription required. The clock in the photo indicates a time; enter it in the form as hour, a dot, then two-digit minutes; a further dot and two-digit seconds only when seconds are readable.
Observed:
2.09
